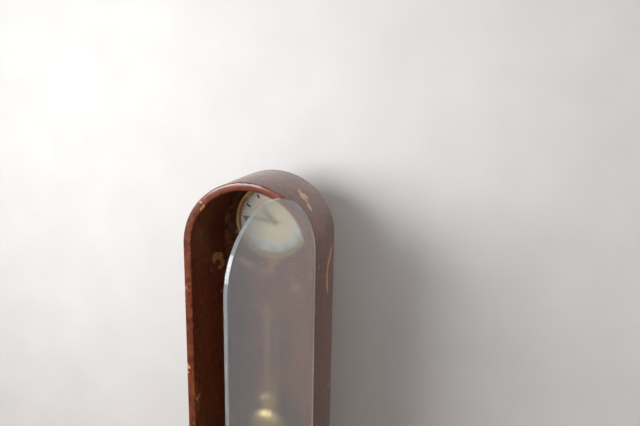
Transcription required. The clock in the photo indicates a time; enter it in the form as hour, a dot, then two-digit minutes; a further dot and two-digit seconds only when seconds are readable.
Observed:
10.46
